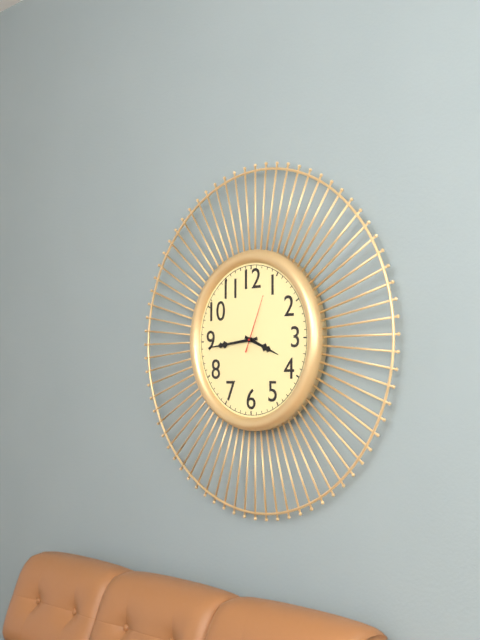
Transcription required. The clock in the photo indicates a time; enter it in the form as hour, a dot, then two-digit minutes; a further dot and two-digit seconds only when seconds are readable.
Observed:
3.44.04
